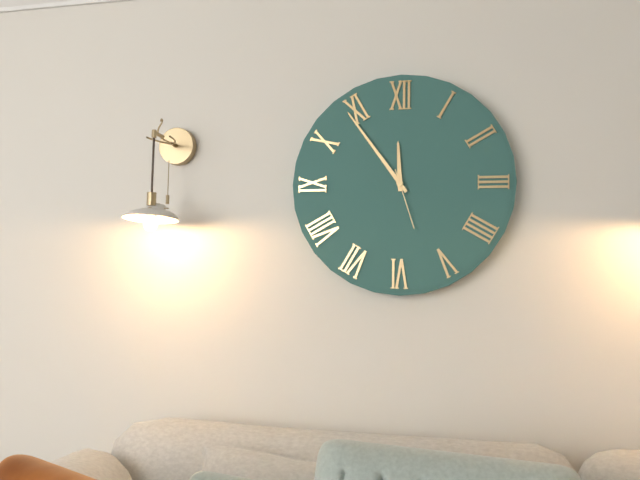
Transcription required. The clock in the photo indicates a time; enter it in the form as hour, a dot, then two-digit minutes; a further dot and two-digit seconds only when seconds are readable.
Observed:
11.54.27
